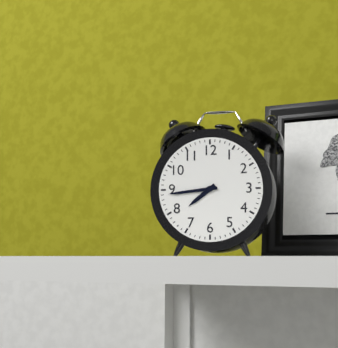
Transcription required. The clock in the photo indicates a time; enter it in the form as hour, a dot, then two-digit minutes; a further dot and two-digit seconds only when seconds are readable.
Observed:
7.44
